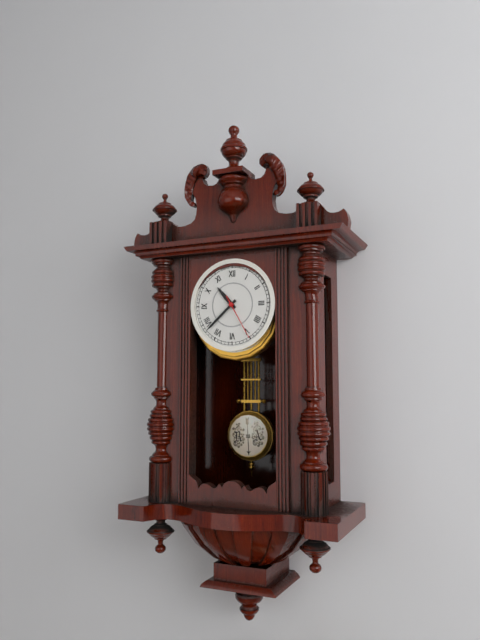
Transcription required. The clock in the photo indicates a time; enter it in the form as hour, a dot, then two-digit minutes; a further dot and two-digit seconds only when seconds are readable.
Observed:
10.38
